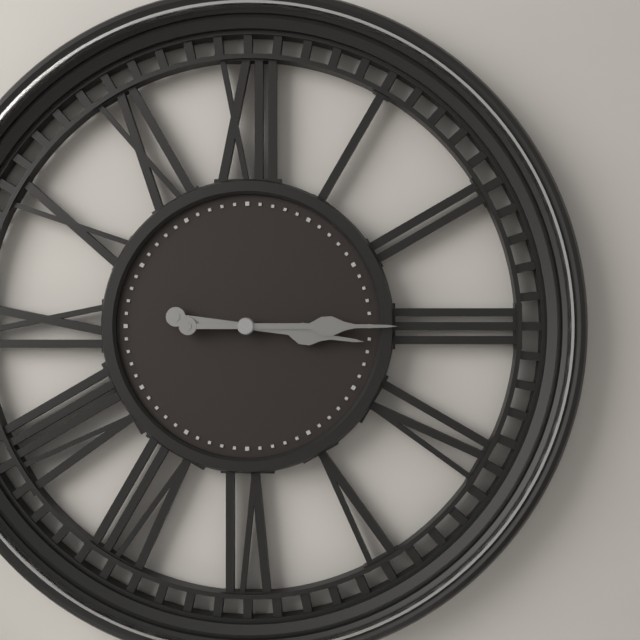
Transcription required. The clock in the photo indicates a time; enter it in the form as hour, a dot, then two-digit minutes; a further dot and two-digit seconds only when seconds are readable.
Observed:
3.15
